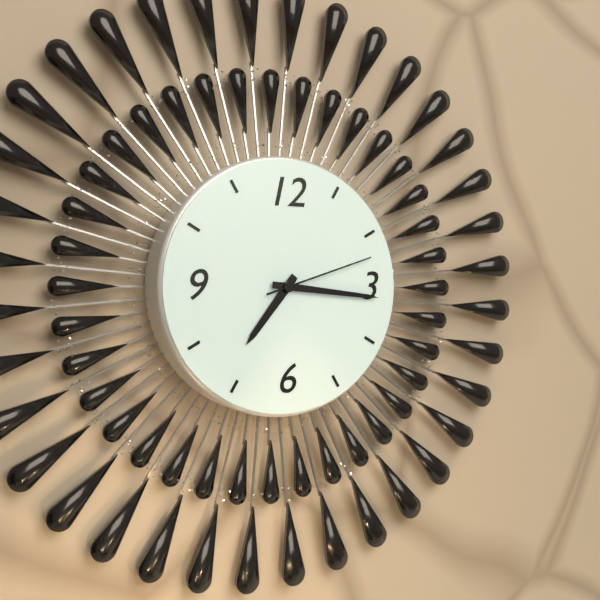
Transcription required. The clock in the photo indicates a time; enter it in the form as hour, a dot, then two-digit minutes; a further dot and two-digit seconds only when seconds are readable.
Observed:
7.16.12
